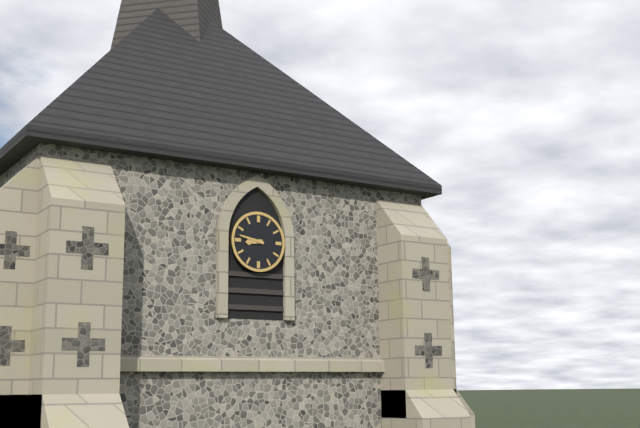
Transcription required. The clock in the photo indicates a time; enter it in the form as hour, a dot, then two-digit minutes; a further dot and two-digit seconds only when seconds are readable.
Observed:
8.47
